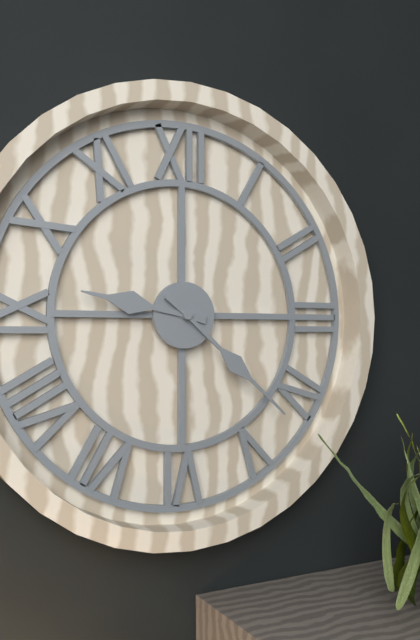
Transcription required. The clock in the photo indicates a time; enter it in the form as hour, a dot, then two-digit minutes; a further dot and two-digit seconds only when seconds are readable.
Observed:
9.22
